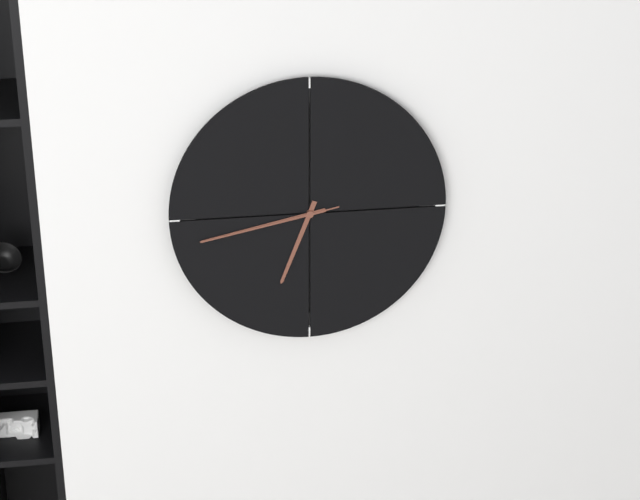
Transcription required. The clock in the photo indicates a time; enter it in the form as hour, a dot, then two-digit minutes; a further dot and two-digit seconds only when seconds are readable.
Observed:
6.43.43
